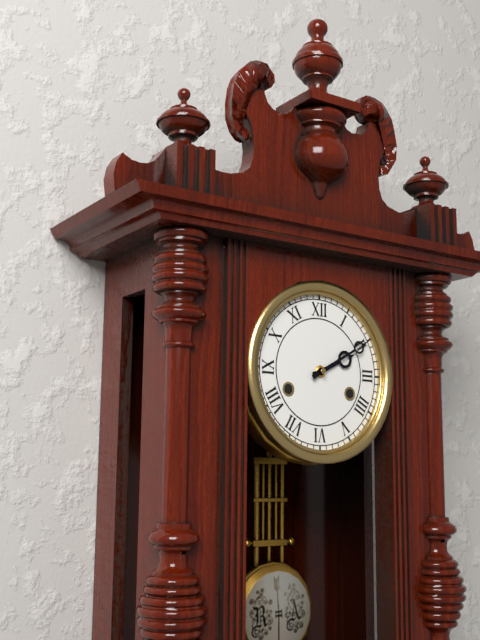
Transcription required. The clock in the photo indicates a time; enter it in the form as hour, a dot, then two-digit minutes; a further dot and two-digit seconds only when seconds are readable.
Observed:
2.10
